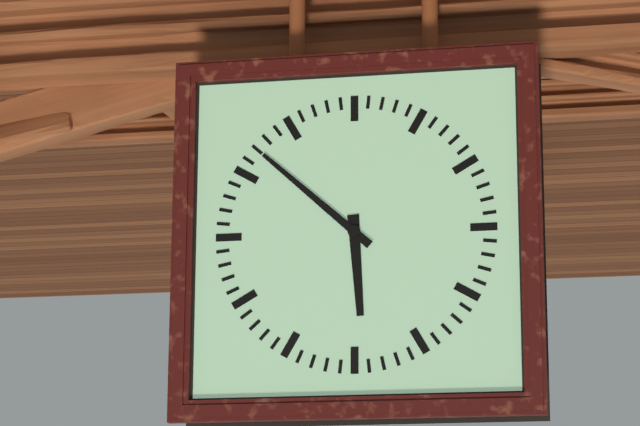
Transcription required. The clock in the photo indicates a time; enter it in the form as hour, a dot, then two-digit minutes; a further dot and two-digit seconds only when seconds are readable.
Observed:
5.52
